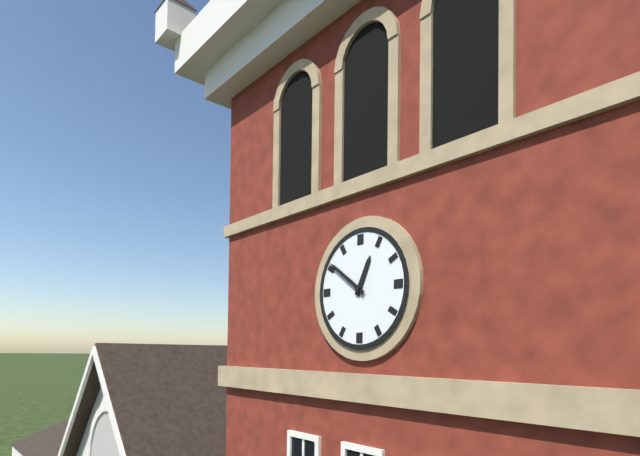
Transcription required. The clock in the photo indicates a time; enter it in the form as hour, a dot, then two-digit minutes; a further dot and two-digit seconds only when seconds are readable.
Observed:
12.51
